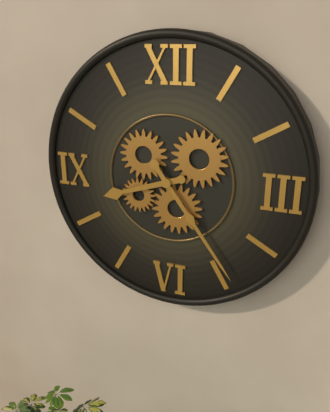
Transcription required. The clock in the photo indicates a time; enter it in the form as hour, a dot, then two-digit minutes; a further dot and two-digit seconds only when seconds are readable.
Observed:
8.24
